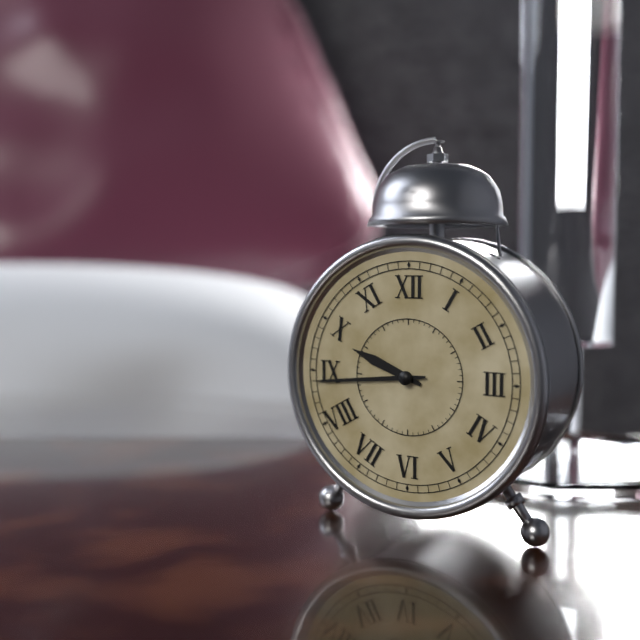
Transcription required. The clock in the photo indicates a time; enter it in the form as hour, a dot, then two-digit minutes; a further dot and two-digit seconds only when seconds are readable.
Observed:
9.44
